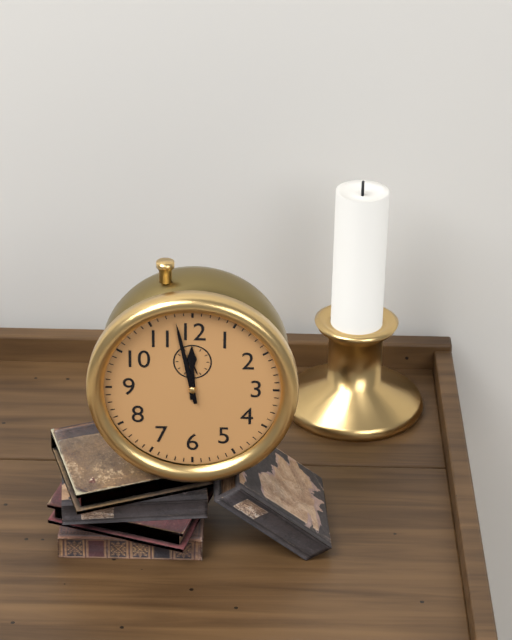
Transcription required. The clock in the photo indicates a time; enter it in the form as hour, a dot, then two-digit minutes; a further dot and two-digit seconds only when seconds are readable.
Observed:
11.58
